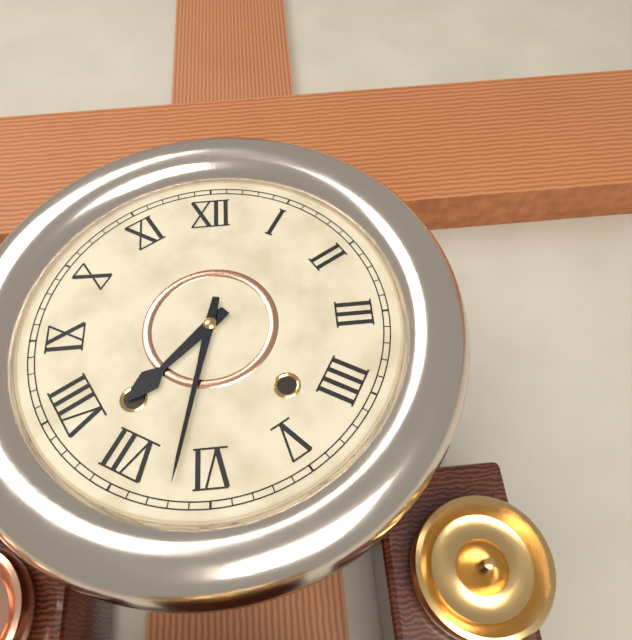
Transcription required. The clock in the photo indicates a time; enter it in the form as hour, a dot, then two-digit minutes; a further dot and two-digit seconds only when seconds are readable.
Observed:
7.32
